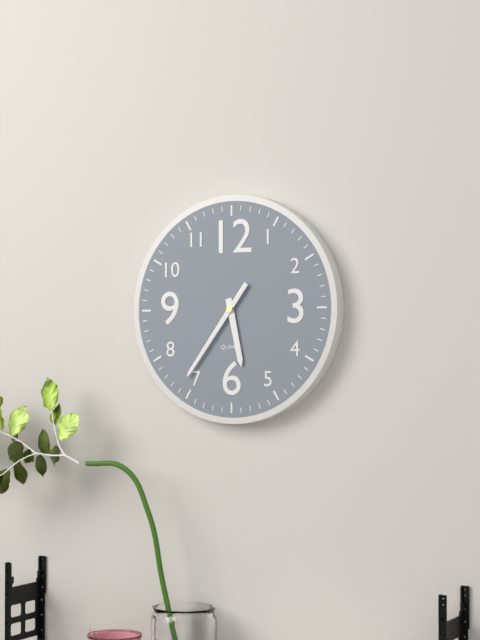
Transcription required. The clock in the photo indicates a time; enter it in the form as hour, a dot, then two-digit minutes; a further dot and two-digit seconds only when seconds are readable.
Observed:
5.36
